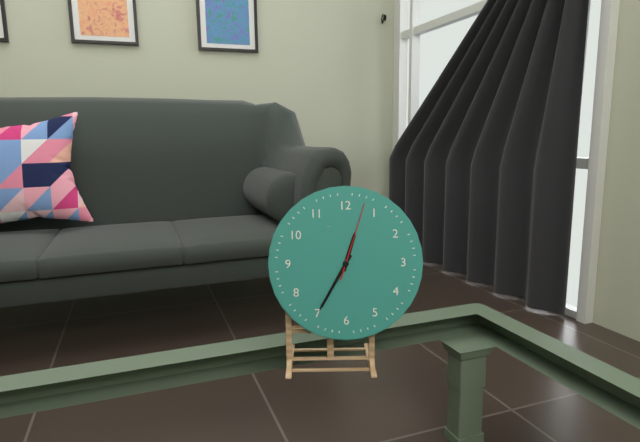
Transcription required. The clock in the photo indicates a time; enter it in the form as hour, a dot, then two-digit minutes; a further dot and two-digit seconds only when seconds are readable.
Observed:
12.35.03
